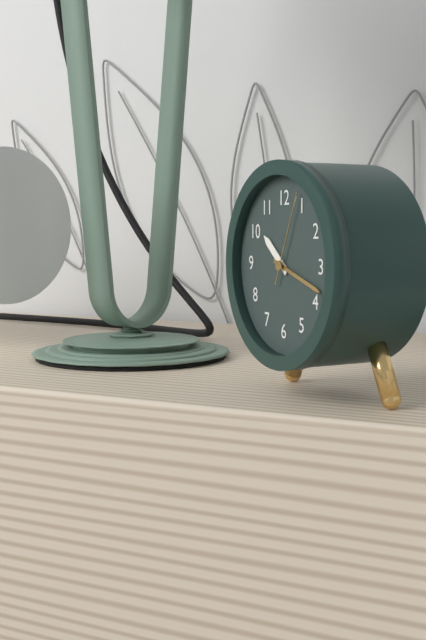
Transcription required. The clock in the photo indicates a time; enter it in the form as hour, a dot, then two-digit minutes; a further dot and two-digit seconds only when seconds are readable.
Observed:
10.18.04
